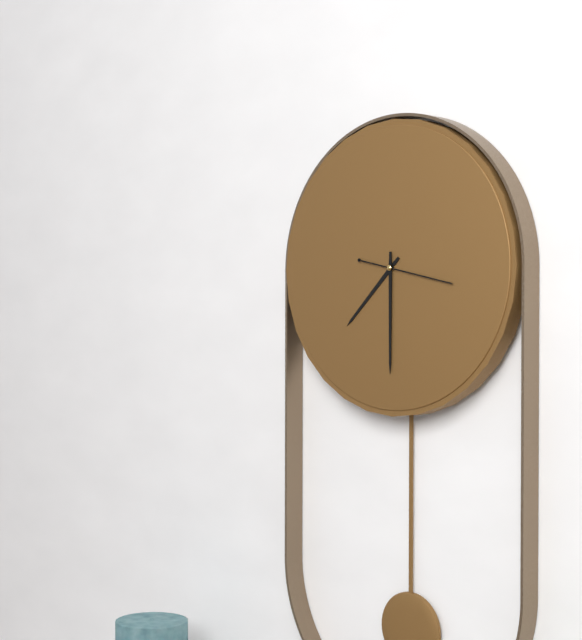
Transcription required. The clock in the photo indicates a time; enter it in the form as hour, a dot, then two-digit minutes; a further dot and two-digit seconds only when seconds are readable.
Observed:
7.30.17
